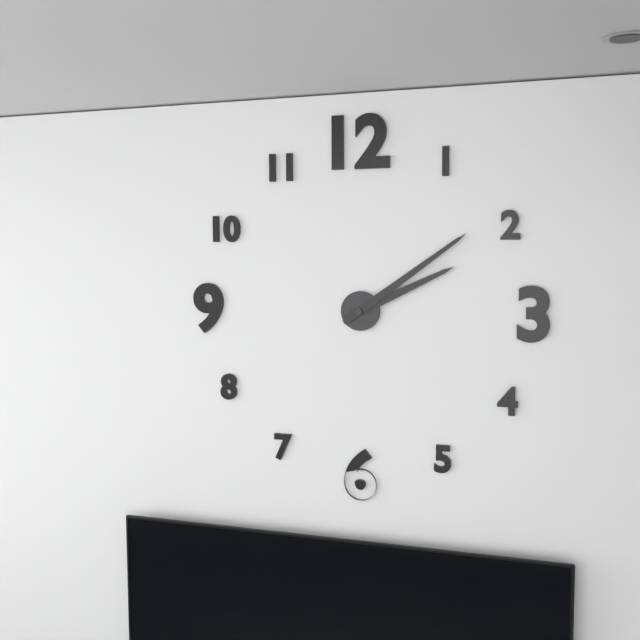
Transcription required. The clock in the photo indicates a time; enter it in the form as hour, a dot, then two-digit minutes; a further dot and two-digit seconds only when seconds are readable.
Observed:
2.09
